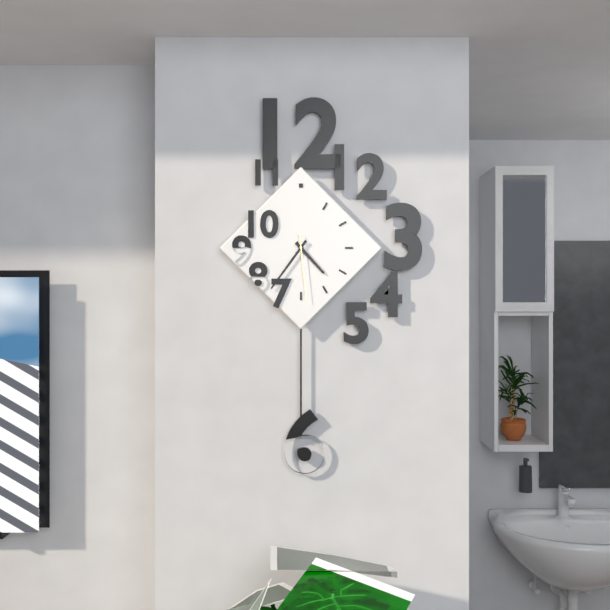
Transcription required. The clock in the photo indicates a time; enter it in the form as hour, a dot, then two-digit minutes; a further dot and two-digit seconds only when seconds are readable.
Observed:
4.36.29
